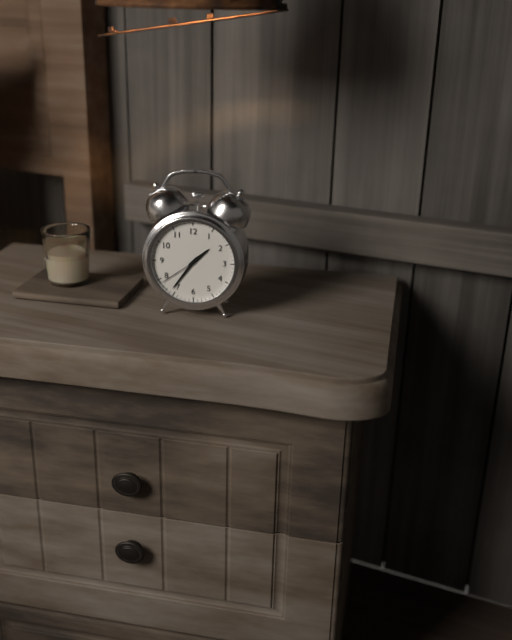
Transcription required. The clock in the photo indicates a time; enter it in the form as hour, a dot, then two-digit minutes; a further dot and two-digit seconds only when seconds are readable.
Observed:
1.36
